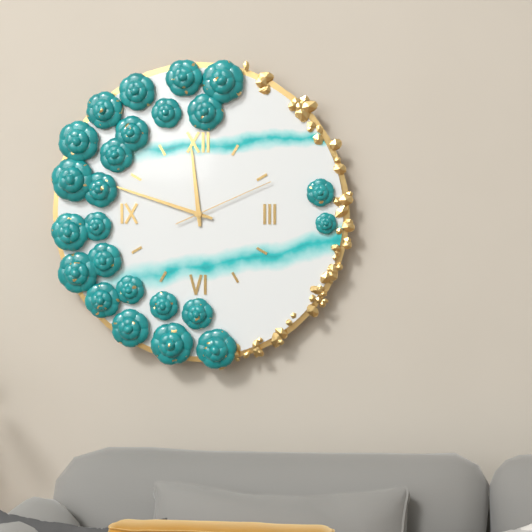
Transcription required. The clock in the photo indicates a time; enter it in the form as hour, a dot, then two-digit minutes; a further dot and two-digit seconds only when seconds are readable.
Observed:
11.48.11
